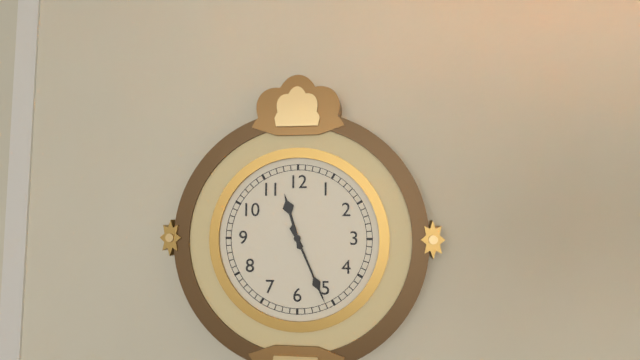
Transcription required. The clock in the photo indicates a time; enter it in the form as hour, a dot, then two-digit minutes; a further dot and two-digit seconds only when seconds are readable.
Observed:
11.26
